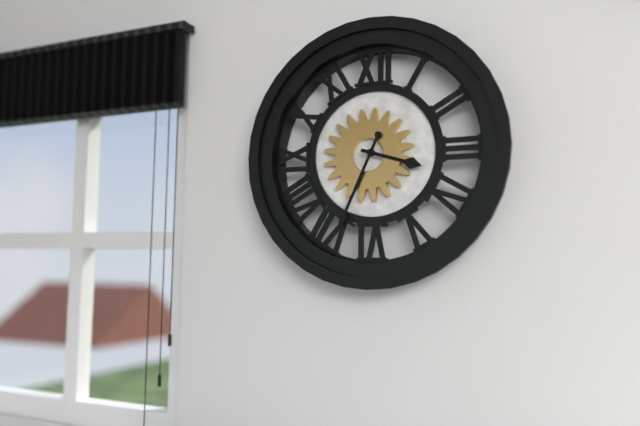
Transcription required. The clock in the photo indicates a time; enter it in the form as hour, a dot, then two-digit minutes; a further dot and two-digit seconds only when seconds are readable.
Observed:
3.34
